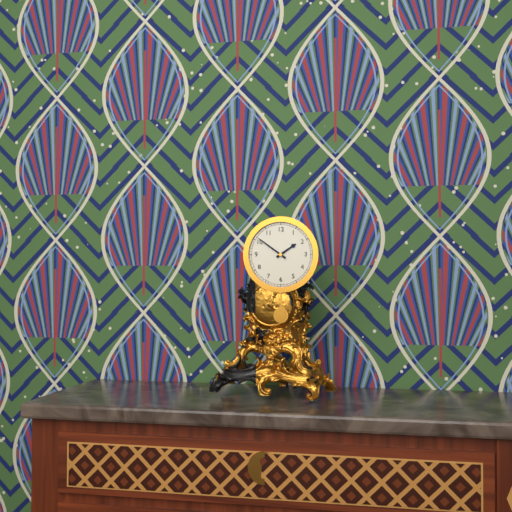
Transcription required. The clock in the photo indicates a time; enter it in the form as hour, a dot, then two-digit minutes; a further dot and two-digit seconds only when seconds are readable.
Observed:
1.51
